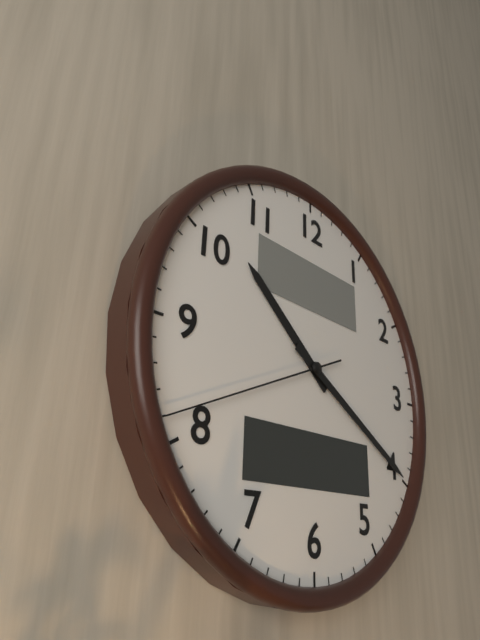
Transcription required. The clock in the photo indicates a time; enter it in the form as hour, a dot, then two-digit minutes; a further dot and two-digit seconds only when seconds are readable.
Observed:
10.20.41
